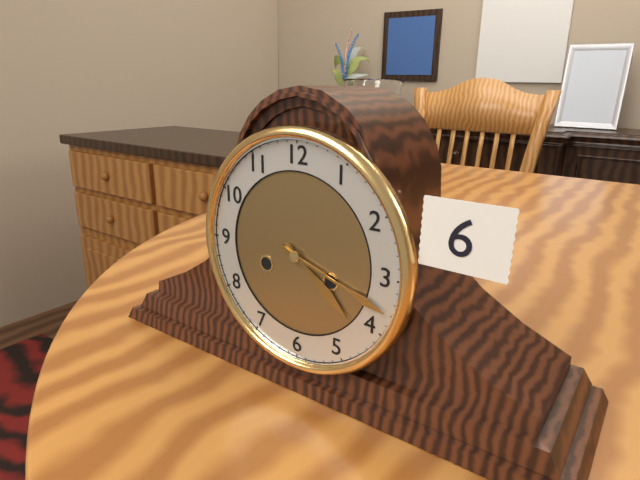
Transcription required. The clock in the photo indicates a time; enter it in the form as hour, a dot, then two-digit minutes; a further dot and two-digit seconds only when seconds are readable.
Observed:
4.18
